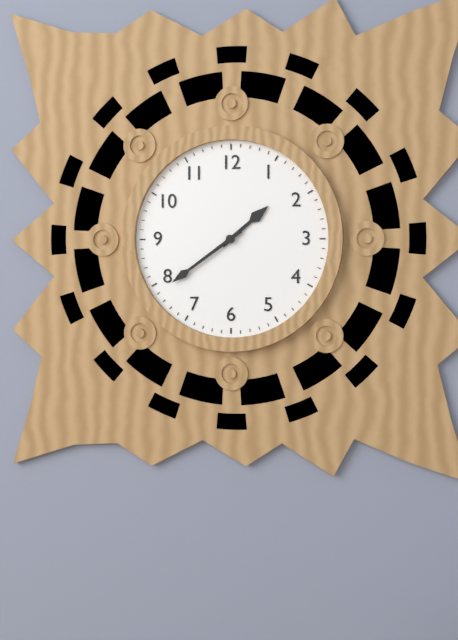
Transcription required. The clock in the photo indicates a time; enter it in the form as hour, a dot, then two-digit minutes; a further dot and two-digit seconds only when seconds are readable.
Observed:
1.39
